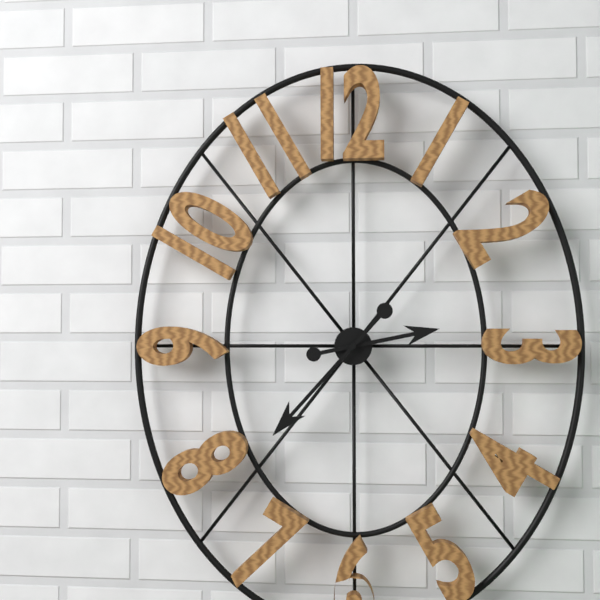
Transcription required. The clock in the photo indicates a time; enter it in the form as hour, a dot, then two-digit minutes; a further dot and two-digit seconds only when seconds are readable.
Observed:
2.37
